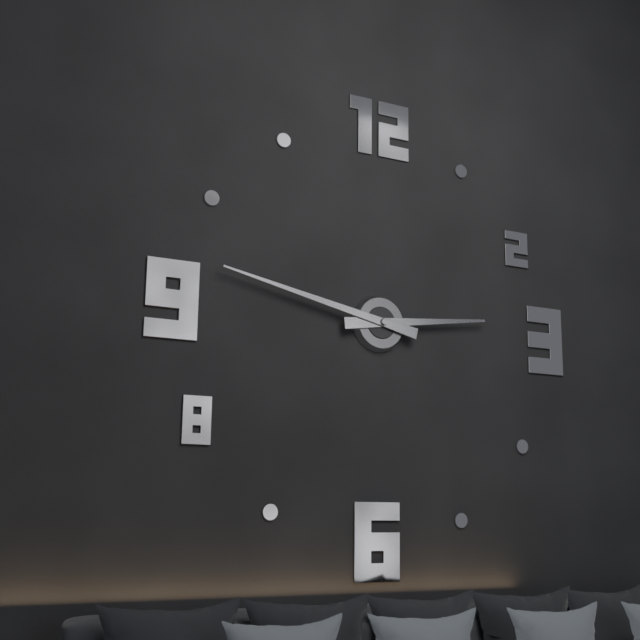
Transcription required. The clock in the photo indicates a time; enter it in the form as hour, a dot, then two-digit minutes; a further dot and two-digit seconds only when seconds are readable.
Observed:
2.47
